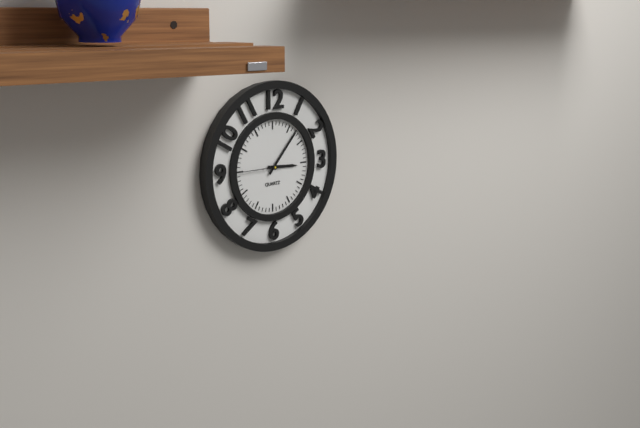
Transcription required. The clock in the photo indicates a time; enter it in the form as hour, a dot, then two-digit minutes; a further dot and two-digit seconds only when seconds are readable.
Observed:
3.07
